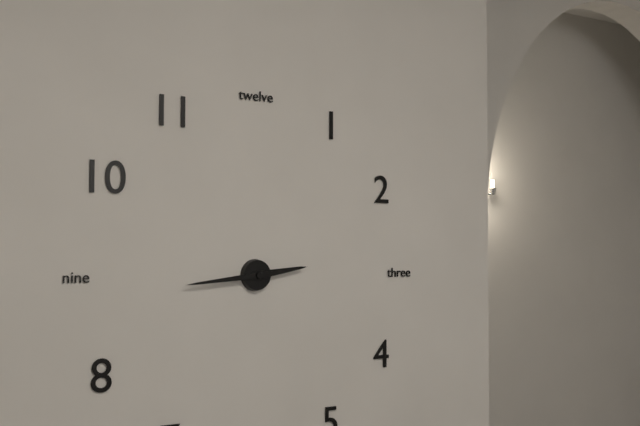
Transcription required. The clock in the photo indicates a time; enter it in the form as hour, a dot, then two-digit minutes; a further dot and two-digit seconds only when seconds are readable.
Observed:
2.44
